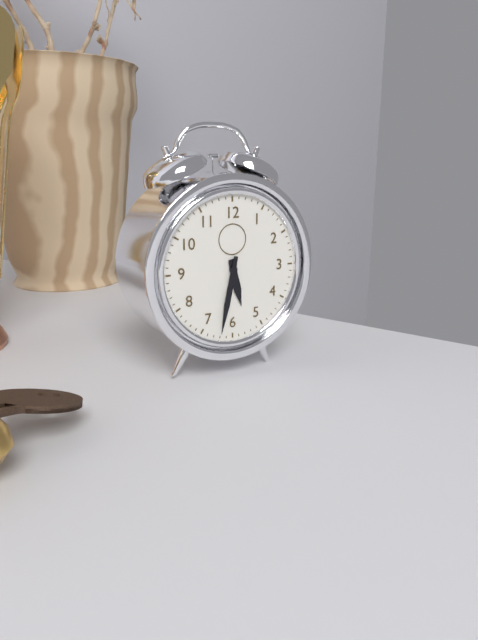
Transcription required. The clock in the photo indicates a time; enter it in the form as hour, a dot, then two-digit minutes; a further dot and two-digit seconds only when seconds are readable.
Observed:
5.32
